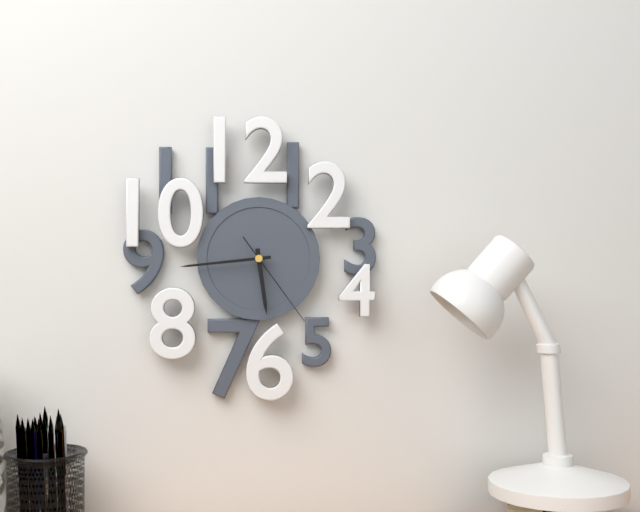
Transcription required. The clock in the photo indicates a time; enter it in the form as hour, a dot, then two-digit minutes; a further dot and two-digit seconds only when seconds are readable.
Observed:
5.44.24
